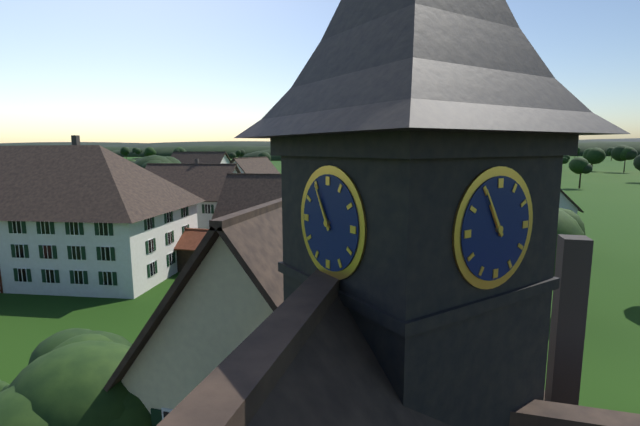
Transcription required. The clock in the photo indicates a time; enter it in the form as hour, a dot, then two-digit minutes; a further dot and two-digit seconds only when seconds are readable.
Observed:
10.55
